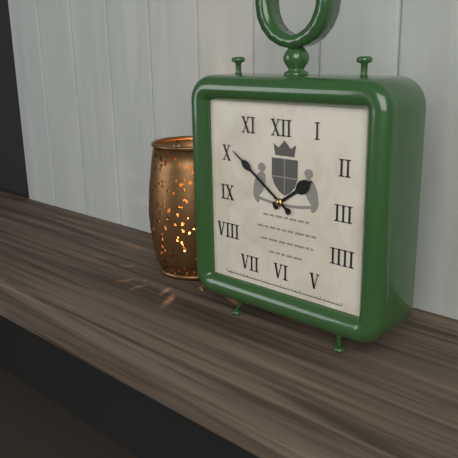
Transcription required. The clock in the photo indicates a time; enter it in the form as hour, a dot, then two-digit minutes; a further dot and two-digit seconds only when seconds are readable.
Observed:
1.51
